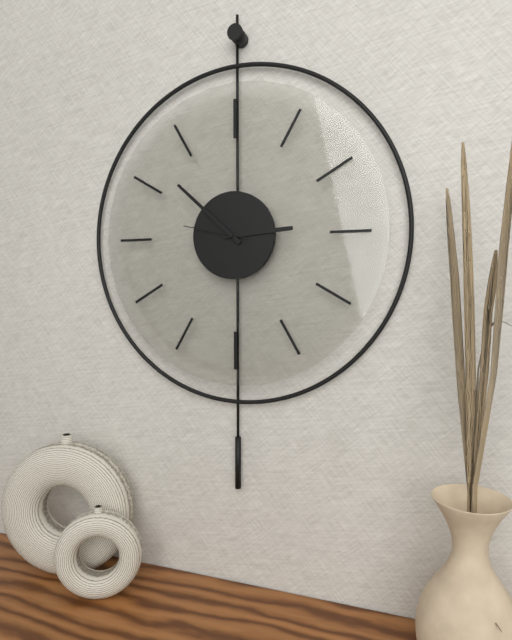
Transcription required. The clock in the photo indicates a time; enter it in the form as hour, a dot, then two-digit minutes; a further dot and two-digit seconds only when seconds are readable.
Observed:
2.52.47
